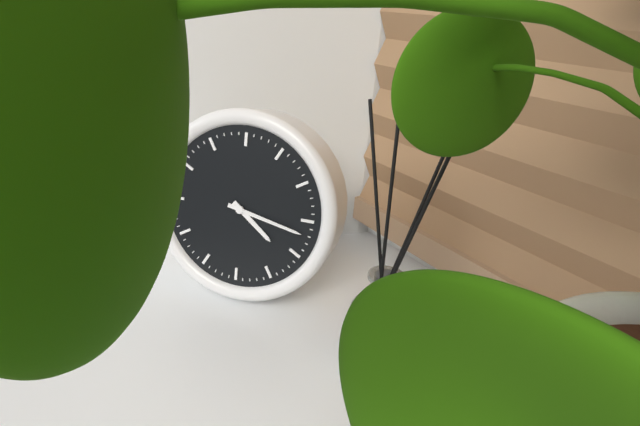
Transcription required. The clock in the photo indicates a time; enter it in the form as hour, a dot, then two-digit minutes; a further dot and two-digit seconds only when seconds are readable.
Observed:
4.17
